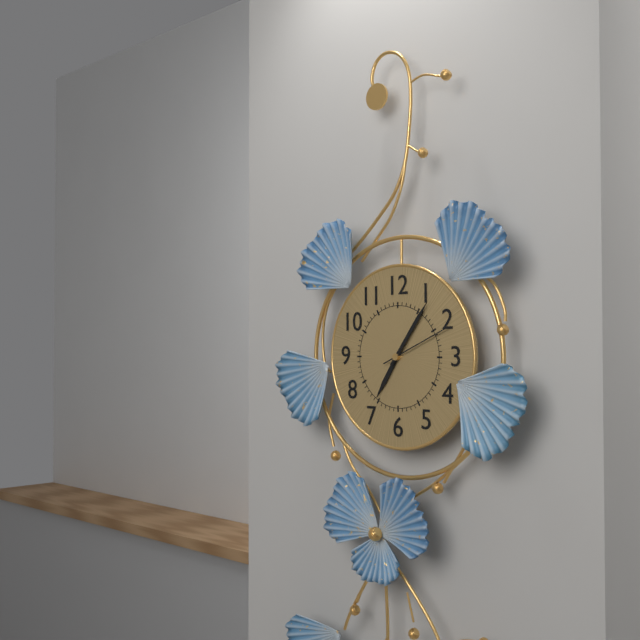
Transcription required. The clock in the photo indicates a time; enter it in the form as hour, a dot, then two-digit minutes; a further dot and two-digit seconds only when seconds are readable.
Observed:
7.06.11
